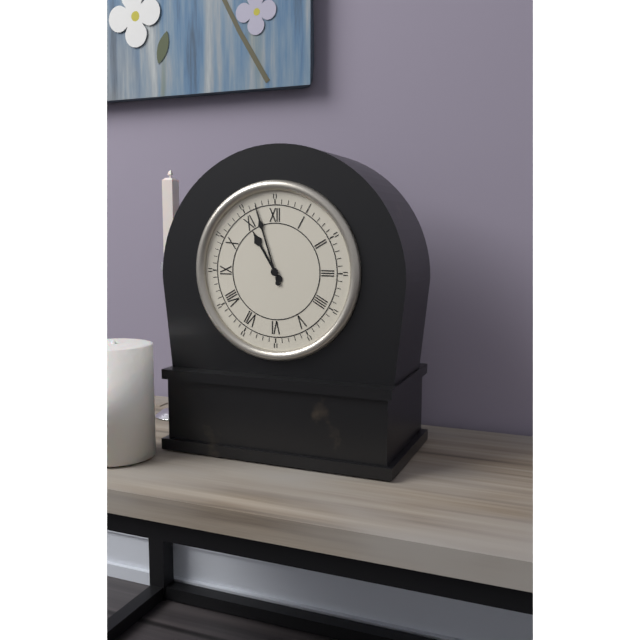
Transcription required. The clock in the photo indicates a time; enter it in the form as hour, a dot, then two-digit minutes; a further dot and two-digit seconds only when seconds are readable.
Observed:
10.57
